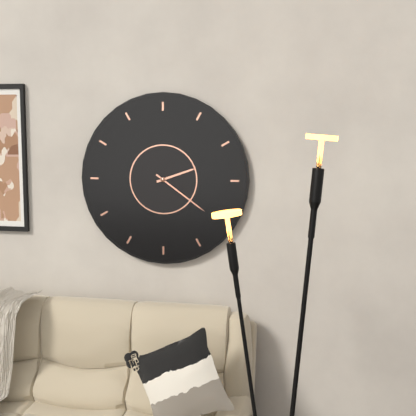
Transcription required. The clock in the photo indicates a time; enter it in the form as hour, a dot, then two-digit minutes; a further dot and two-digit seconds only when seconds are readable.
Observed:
2.21
